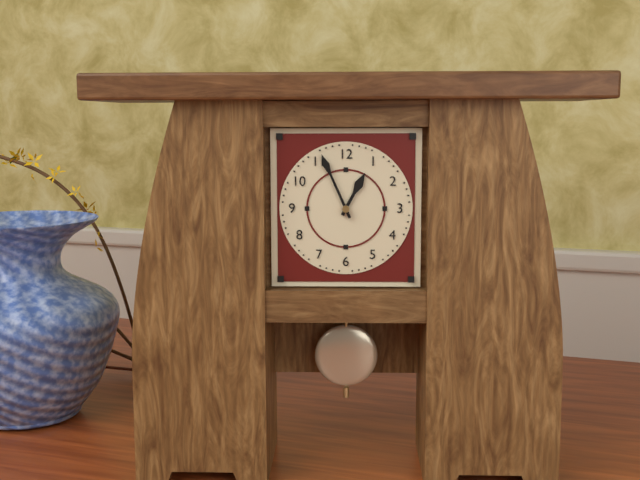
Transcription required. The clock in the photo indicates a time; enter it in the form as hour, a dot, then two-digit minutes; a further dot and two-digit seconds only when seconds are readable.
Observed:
12.56
